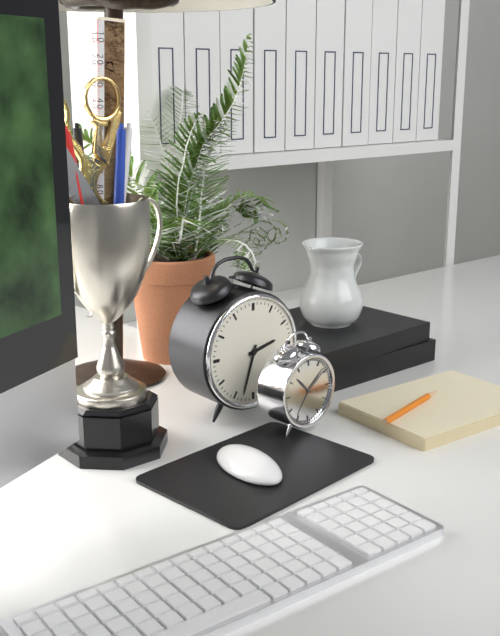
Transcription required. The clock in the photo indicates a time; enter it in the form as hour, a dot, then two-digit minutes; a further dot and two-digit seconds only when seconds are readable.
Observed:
2.33
